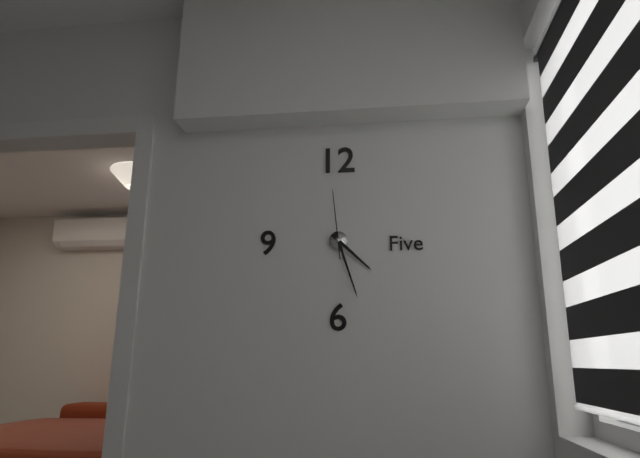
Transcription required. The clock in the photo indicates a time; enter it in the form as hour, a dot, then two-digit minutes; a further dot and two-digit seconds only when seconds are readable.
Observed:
4.27.59
